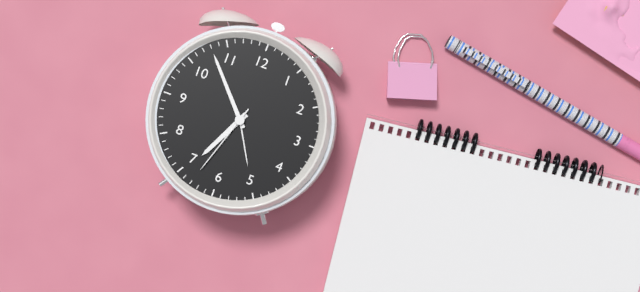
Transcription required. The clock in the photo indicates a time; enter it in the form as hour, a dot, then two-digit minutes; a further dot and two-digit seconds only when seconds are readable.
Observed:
6.53.33
